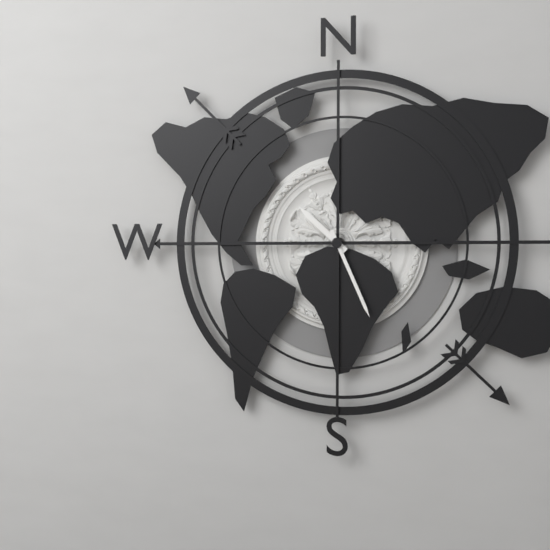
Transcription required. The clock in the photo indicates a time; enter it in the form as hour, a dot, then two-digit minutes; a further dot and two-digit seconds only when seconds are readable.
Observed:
10.26
